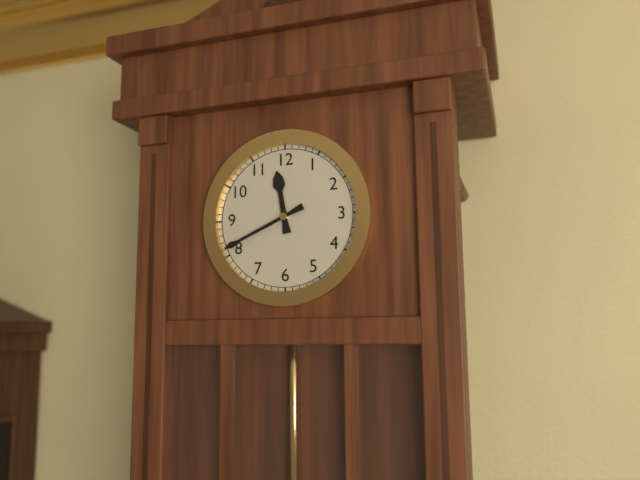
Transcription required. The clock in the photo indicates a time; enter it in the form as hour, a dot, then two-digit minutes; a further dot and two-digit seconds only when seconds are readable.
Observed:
11.41
